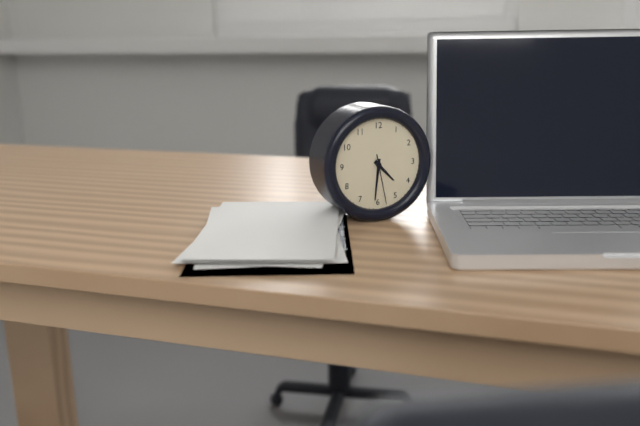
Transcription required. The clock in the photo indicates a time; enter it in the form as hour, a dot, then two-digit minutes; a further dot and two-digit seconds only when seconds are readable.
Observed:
4.31.28
